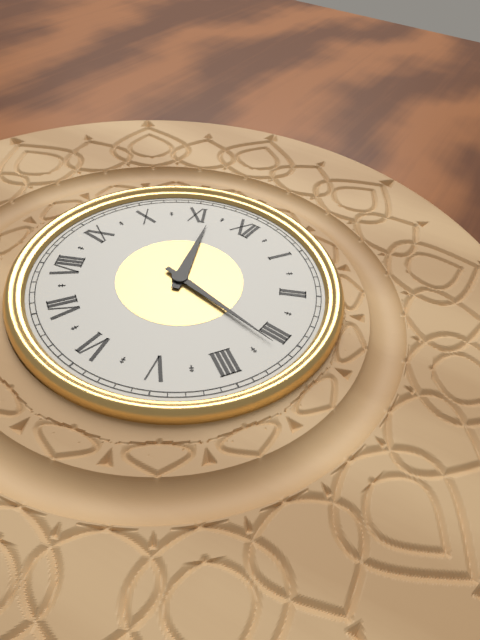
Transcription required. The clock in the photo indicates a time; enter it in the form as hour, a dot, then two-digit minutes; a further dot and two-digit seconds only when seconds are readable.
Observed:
11.16
